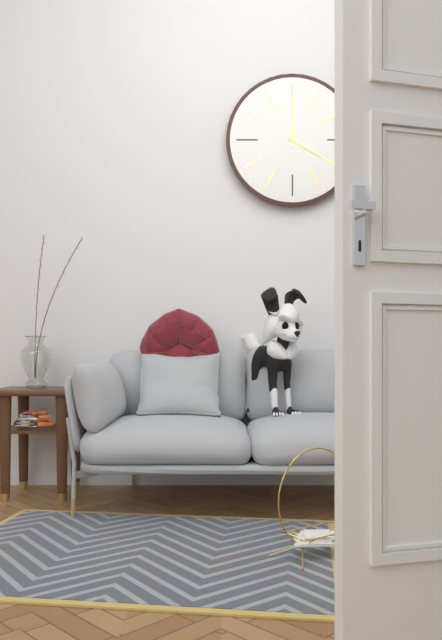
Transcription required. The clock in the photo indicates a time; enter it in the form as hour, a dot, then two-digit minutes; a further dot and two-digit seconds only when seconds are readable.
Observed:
4.00
